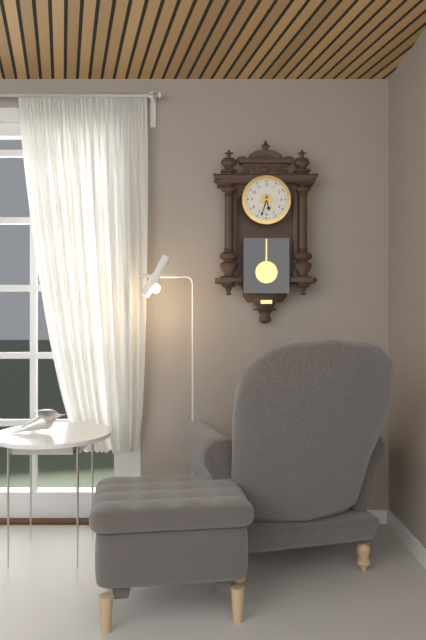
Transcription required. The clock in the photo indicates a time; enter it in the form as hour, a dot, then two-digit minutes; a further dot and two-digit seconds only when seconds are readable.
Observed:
5.33
